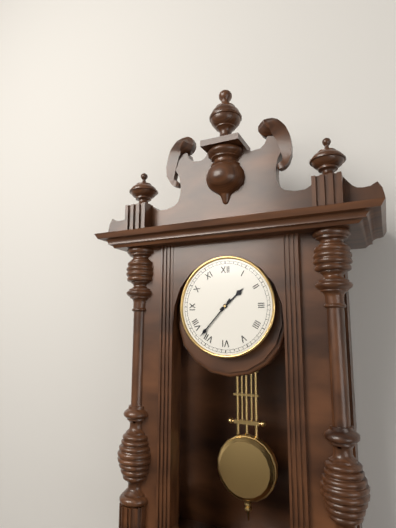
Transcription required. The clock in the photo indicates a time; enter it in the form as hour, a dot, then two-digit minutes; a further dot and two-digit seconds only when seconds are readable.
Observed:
1.37
